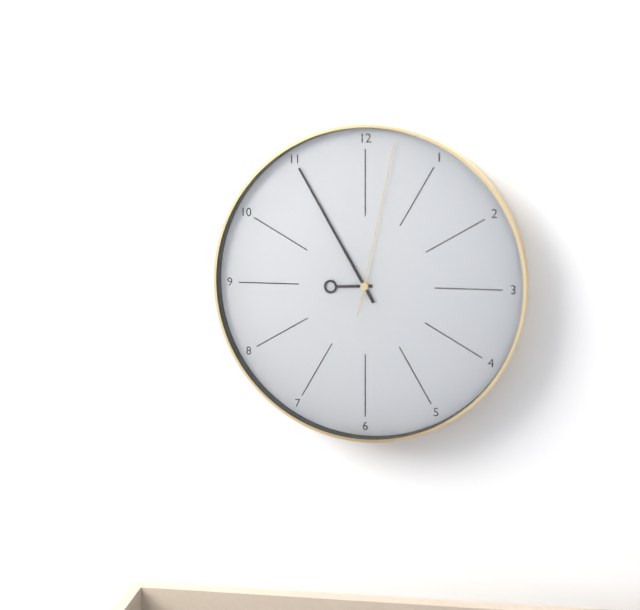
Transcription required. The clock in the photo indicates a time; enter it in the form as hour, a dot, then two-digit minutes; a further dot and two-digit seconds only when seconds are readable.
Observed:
8.55.02
